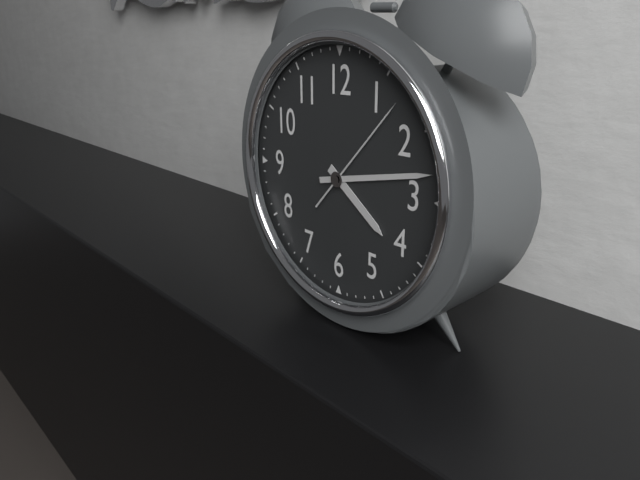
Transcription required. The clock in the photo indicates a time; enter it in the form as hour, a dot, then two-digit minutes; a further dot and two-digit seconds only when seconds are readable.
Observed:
4.13.07
